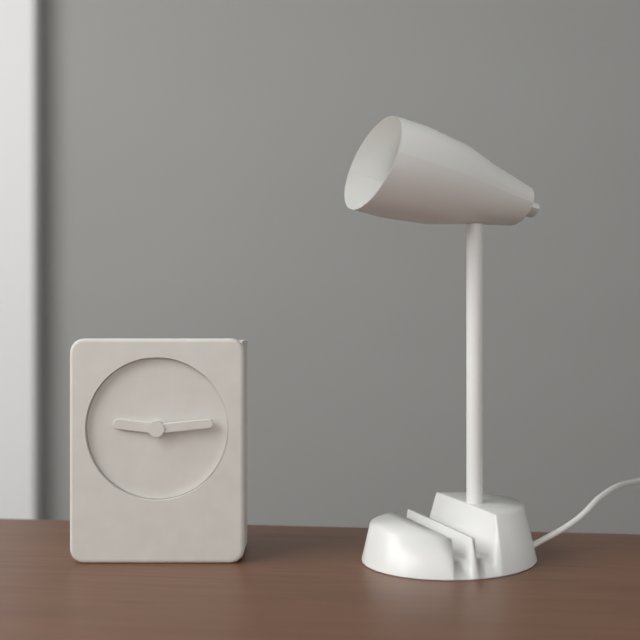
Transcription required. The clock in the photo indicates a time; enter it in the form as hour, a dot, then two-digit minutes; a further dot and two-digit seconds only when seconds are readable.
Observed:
9.14
